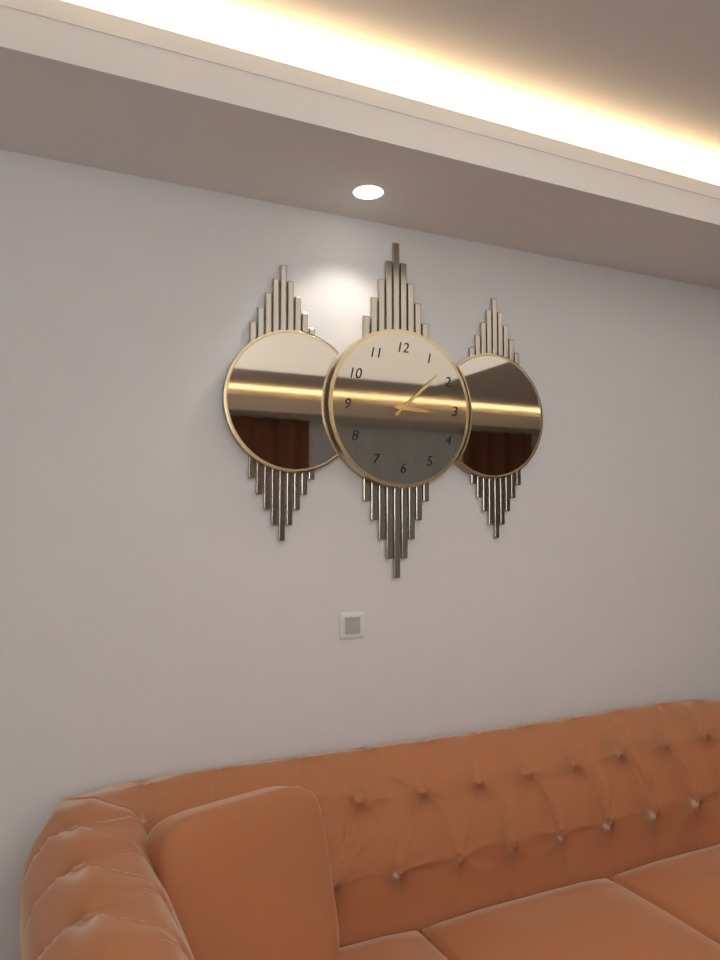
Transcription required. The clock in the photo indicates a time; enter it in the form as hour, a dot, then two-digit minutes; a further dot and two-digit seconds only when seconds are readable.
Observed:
3.08
